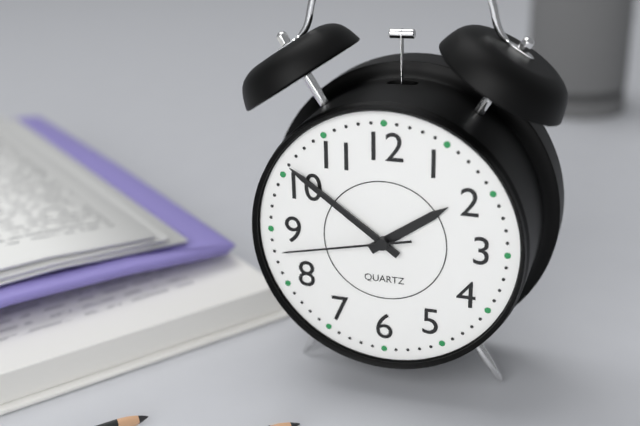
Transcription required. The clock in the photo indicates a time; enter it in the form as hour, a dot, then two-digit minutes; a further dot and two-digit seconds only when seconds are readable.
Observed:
1.51.43
